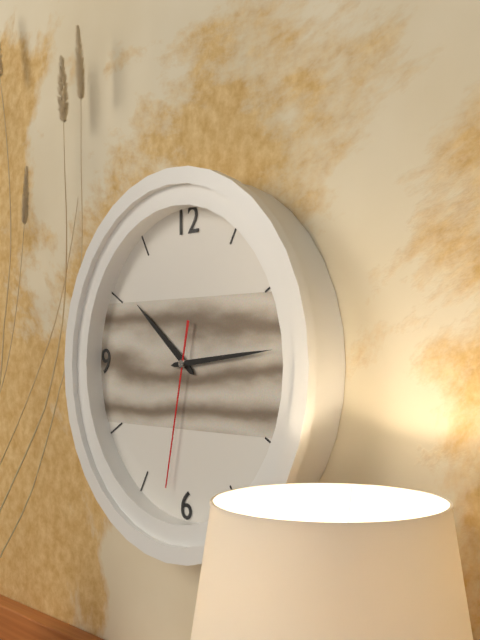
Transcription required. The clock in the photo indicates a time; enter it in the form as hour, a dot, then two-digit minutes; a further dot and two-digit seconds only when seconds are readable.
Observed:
10.14.32
